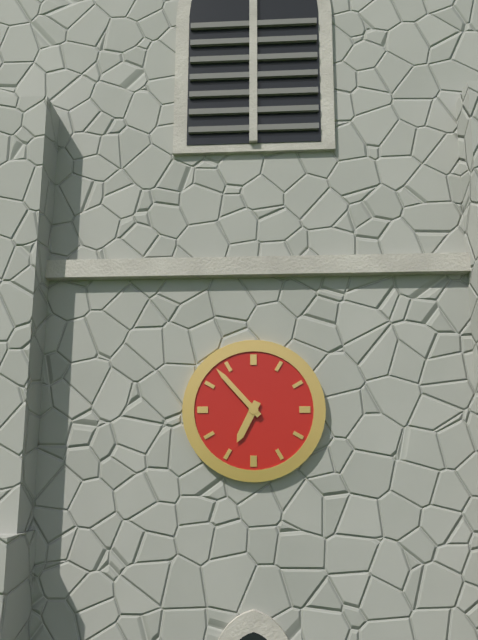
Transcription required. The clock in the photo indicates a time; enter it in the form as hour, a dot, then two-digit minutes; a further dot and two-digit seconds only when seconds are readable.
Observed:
6.53
